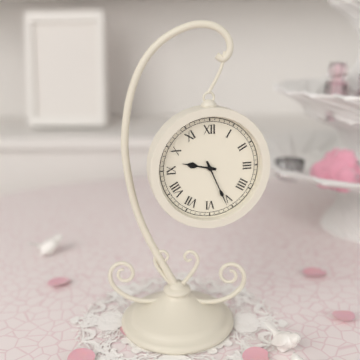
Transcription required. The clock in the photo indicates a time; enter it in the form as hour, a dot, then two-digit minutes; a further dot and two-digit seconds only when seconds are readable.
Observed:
9.26
